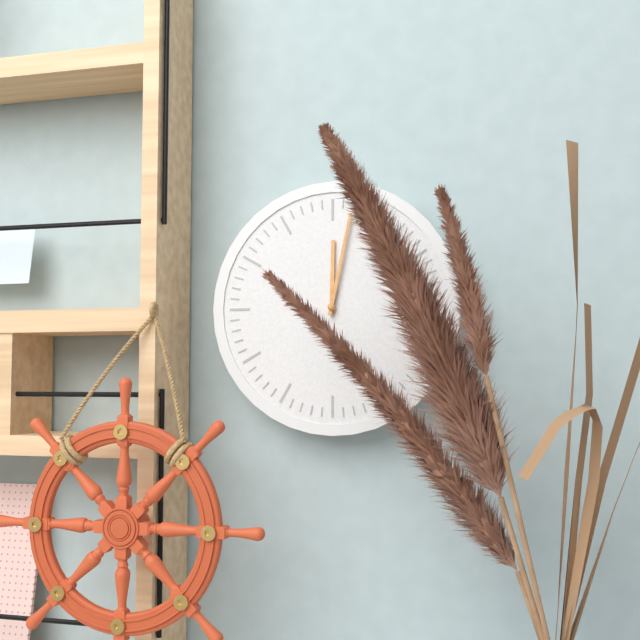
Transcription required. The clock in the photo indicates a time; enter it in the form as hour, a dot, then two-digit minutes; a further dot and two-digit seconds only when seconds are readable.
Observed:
12.02
